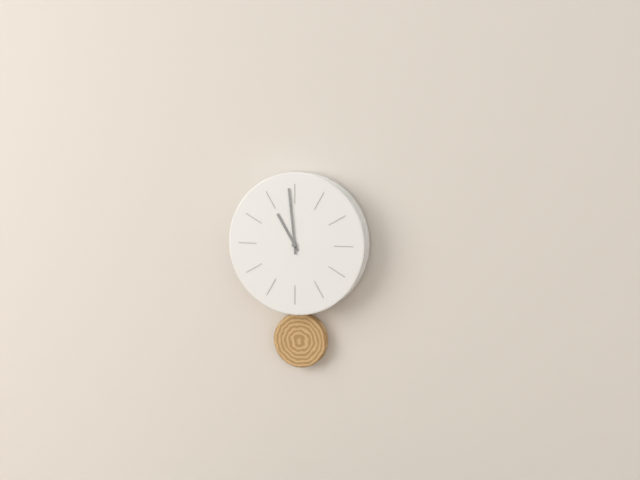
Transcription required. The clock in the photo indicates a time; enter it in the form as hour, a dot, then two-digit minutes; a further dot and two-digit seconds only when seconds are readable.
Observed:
10.59
